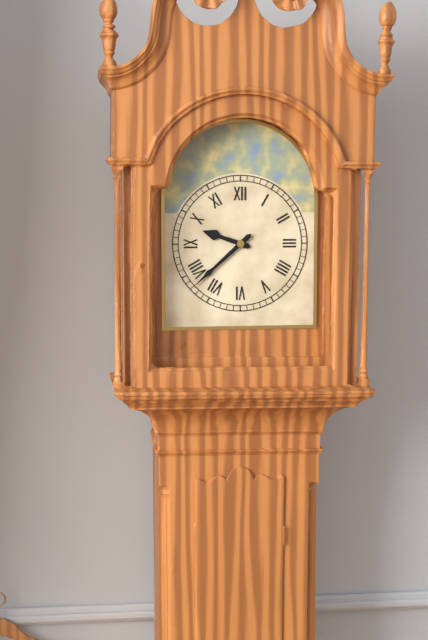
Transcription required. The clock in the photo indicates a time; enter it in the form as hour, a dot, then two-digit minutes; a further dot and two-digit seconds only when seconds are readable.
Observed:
9.38
